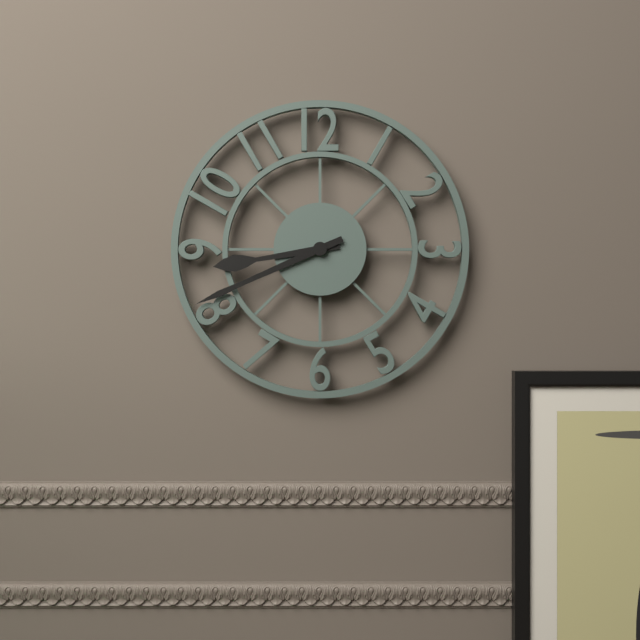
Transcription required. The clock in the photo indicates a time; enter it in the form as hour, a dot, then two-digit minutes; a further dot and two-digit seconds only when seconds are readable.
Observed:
8.41
